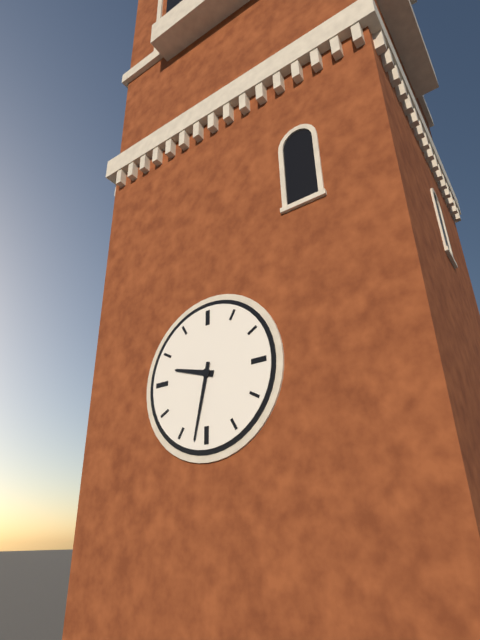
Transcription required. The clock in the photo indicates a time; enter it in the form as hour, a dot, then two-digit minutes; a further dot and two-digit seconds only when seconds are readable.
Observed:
9.32
